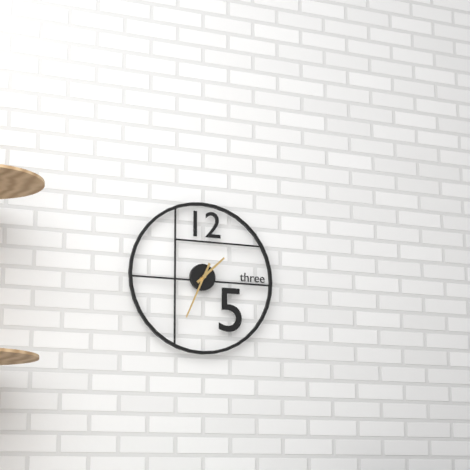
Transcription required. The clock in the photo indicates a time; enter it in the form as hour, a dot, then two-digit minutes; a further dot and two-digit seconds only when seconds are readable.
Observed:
1.34
